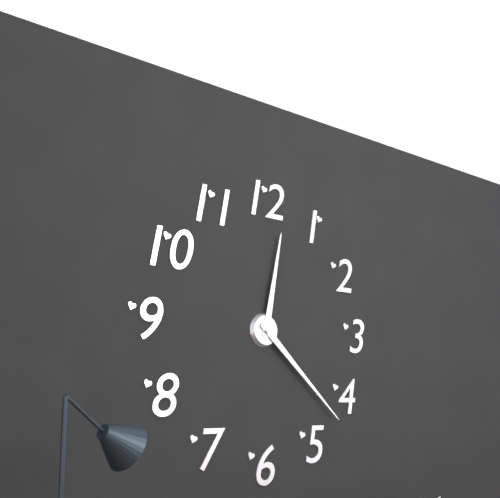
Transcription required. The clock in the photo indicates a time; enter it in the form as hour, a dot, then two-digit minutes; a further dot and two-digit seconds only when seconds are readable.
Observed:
12.22
